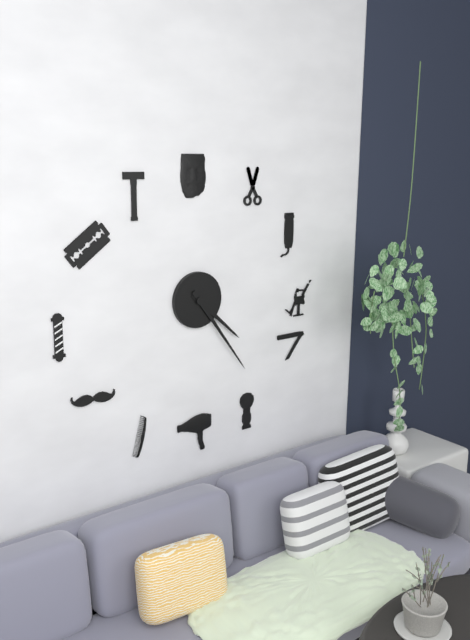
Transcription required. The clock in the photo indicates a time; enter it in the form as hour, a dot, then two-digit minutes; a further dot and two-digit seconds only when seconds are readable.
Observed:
4.24
